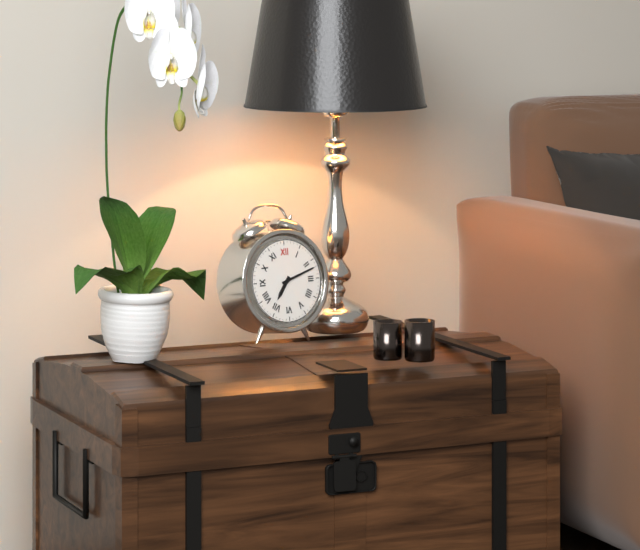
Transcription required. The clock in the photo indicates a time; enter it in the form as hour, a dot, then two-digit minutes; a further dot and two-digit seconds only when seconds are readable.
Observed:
7.12
